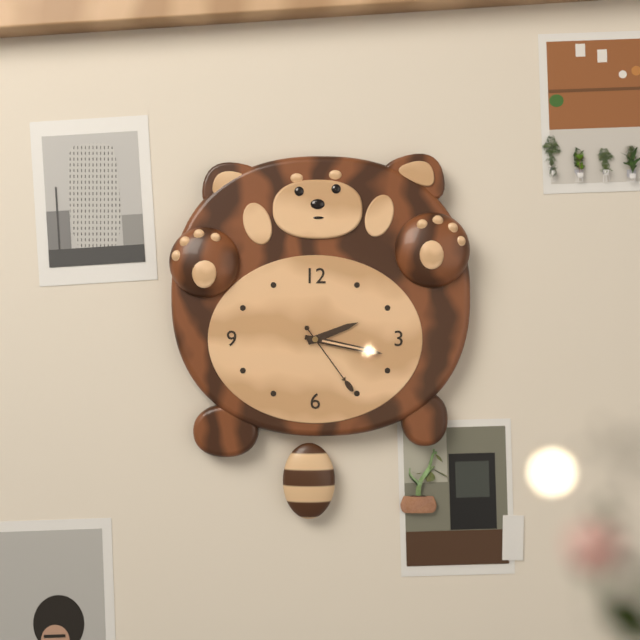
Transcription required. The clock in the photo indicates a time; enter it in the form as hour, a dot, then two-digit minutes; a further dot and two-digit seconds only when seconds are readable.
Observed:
2.17.24
